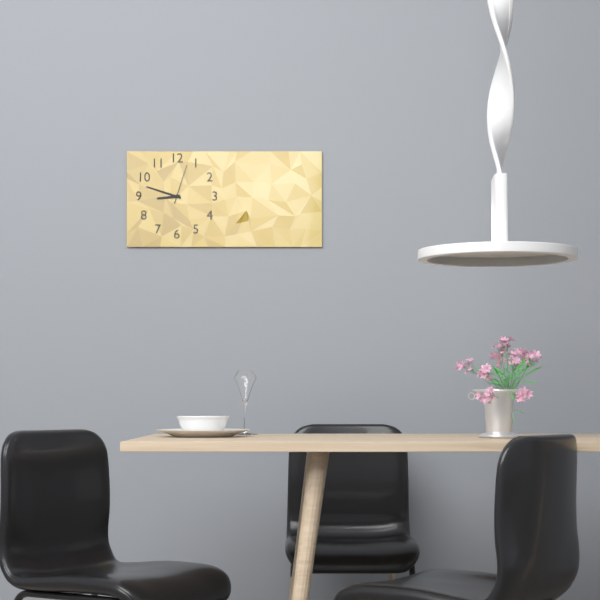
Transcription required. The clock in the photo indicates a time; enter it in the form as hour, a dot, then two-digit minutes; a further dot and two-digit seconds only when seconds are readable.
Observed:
8.48
